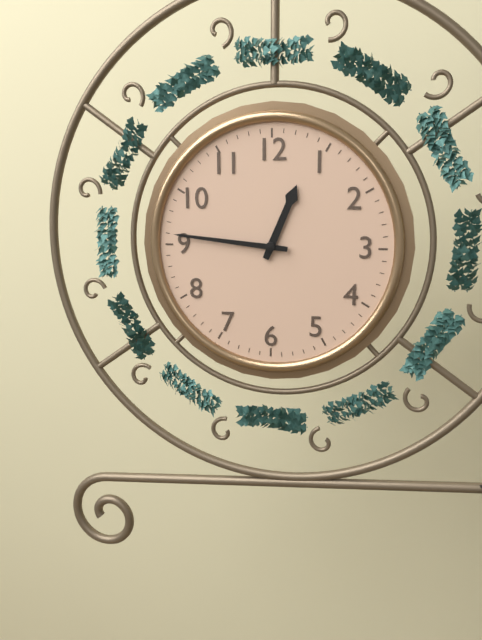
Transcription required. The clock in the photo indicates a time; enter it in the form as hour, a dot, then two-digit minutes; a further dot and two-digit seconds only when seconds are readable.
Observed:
12.46
